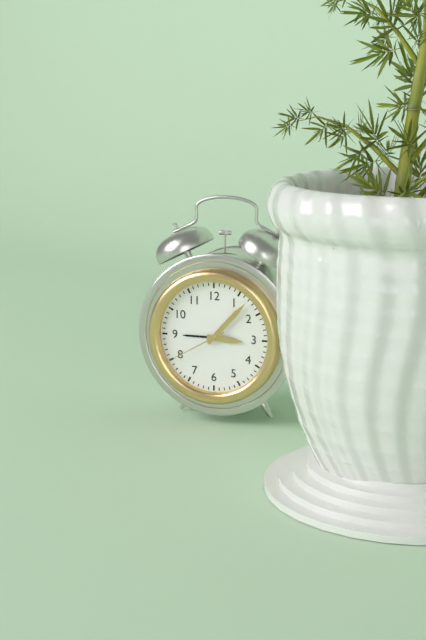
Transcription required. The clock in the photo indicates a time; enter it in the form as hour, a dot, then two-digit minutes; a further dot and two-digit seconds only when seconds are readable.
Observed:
3.07.40
